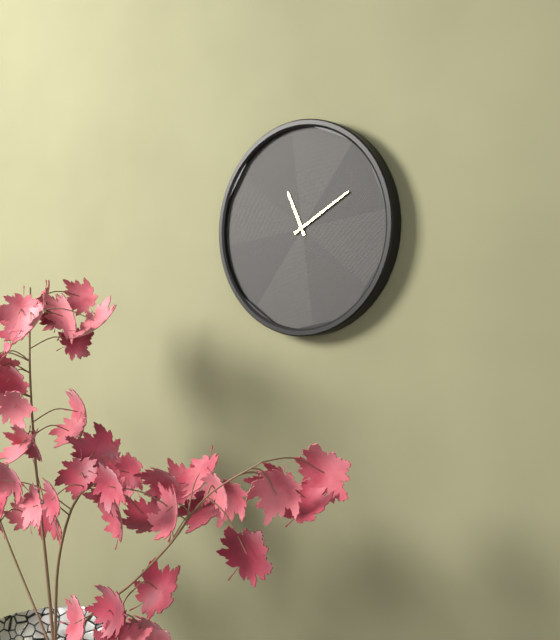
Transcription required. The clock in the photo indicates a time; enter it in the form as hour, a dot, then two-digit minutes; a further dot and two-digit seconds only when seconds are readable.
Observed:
11.10
